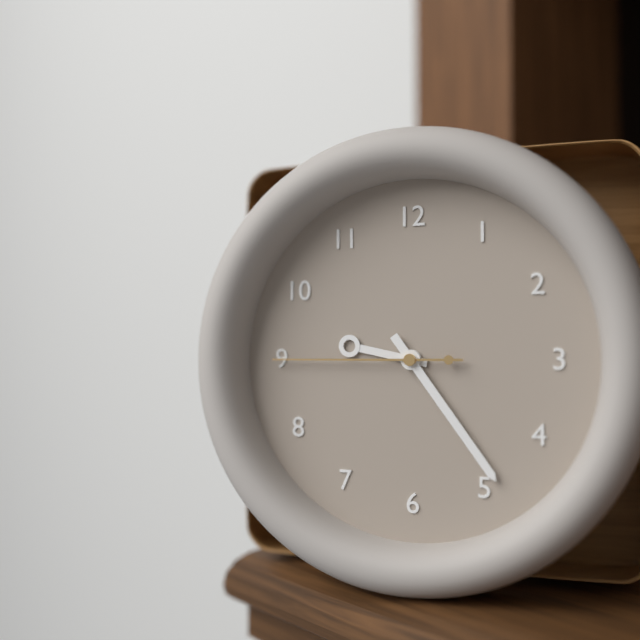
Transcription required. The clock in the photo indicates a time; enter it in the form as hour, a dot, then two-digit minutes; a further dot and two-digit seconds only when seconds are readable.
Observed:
9.24.45
